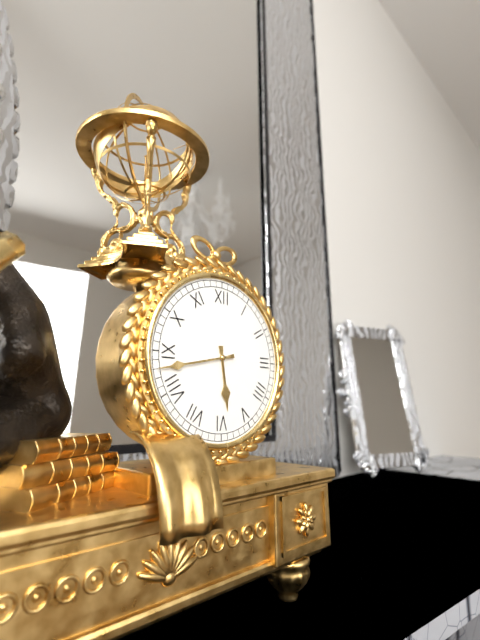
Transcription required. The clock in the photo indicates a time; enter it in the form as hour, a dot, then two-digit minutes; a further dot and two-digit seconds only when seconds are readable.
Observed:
5.43
